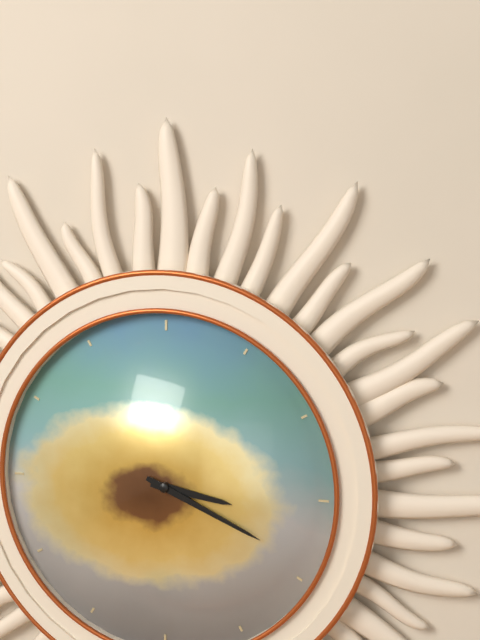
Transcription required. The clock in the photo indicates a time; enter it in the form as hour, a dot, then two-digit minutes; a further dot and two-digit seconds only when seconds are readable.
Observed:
3.19
